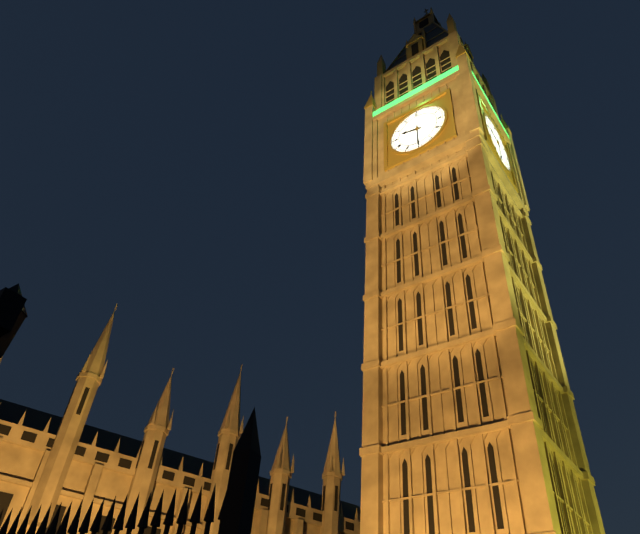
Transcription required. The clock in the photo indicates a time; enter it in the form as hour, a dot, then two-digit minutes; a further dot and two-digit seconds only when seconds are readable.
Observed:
9.30
